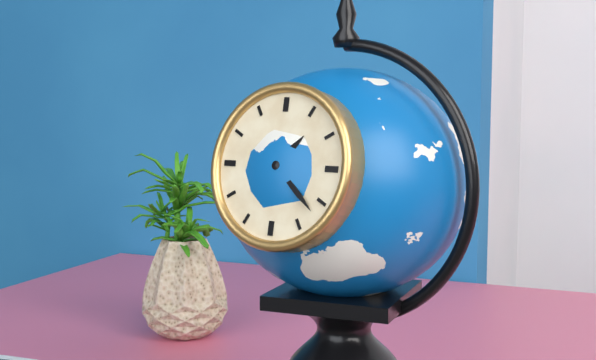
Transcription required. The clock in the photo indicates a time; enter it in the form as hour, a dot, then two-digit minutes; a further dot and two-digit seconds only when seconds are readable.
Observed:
1.22
